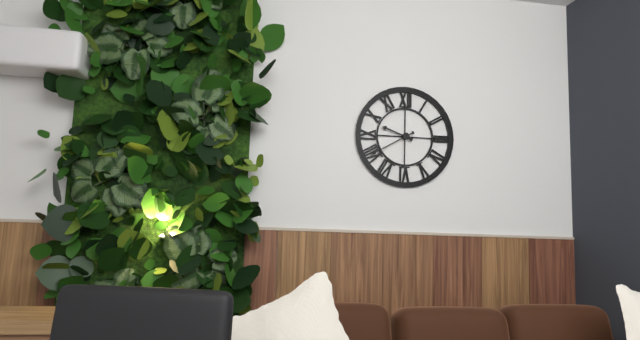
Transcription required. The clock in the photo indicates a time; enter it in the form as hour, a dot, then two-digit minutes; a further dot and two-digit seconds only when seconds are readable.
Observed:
9.40
